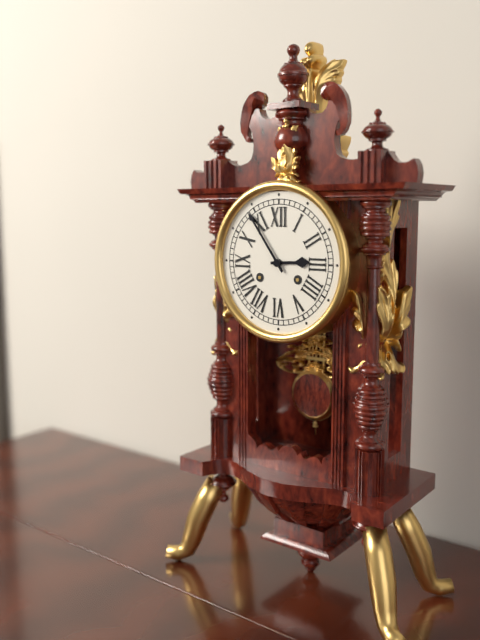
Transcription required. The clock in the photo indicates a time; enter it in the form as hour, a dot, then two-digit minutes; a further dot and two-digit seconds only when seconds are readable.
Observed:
2.54
